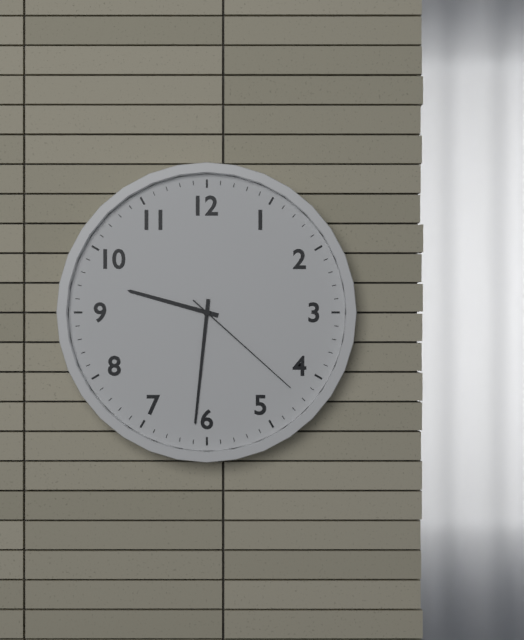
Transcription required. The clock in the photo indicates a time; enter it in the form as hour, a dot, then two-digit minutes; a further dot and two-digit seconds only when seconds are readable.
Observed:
9.31.22
